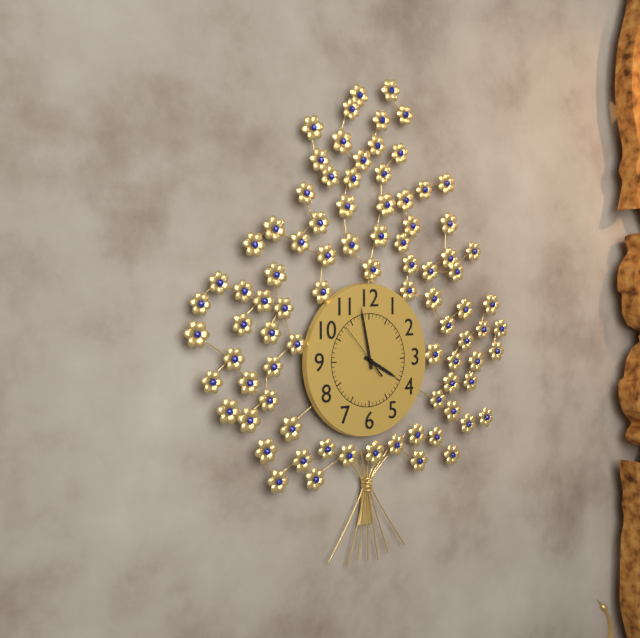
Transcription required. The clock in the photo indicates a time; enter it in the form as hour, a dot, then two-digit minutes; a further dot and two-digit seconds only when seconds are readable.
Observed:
3.58.53
